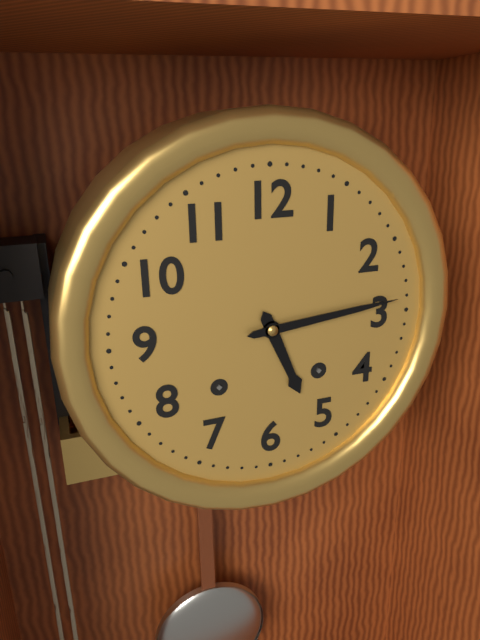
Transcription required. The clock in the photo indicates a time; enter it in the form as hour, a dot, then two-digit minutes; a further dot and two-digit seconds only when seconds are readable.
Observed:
5.14
